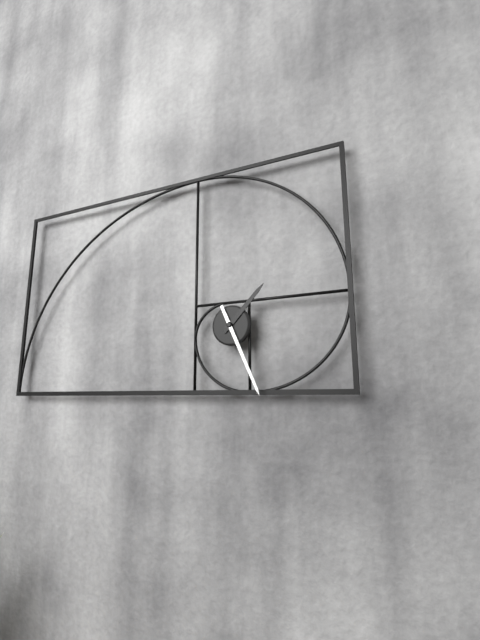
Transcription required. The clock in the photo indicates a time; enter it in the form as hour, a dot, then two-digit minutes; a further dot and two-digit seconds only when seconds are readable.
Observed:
1.26
